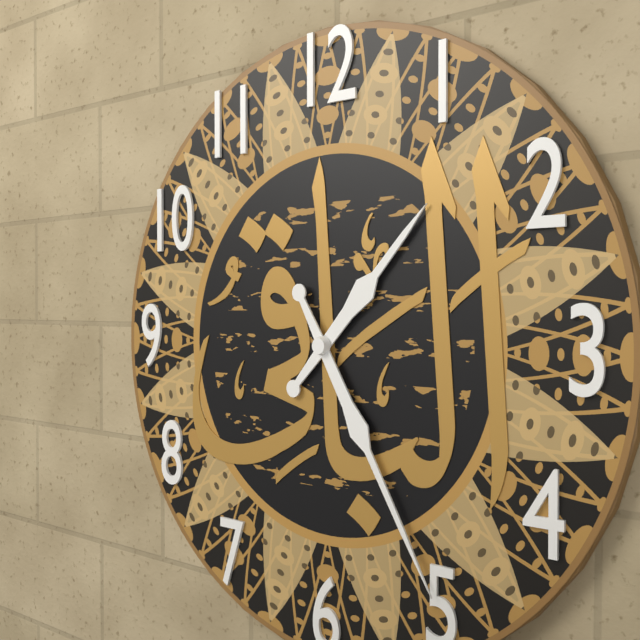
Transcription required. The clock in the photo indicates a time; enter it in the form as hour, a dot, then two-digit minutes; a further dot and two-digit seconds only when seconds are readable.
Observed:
1.25
